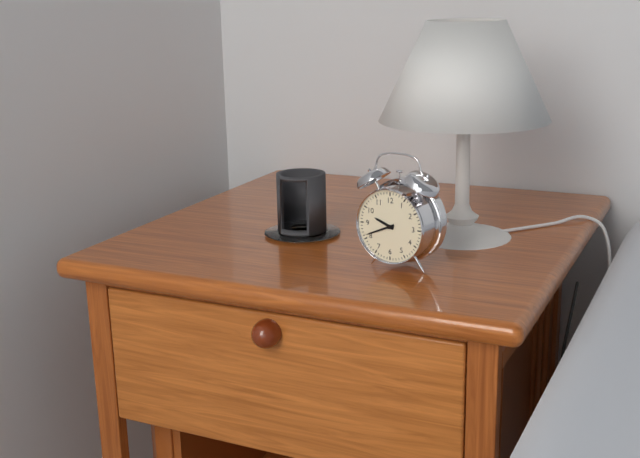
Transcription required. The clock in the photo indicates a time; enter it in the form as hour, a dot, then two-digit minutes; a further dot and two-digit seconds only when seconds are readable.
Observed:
9.41
